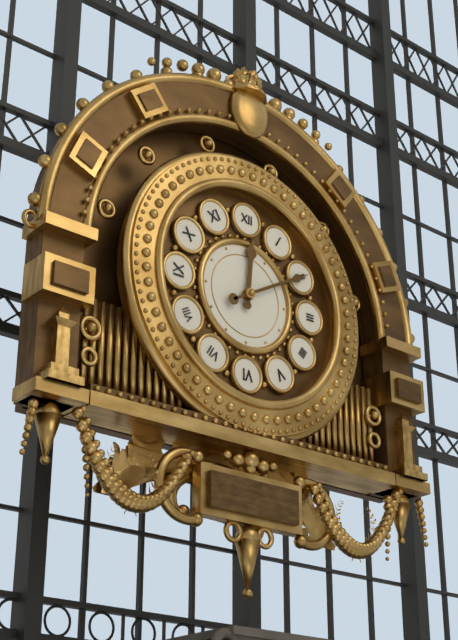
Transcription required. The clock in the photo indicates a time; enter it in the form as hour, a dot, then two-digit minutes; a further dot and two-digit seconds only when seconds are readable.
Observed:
12.10
